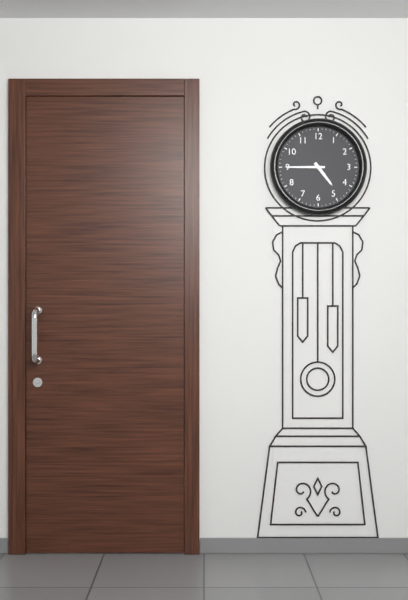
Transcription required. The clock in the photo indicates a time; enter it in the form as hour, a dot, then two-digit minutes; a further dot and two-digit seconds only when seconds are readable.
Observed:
4.45
